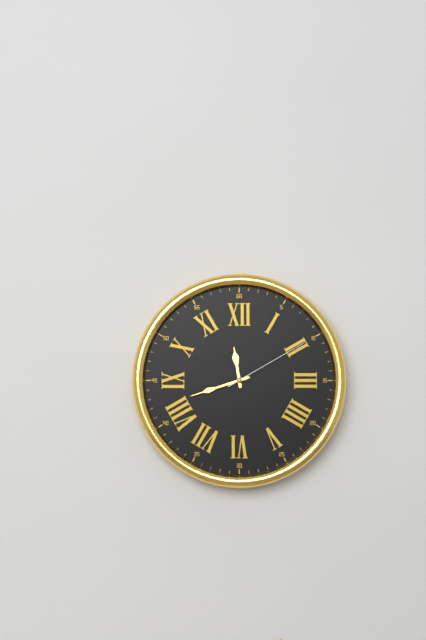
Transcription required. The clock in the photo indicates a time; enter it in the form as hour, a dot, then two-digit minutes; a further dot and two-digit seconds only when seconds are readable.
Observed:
11.42.10
